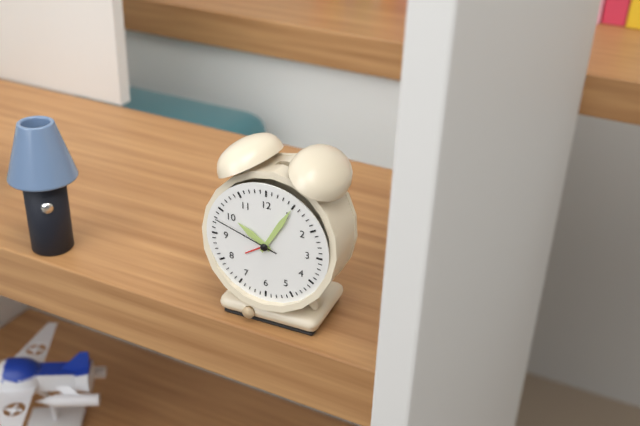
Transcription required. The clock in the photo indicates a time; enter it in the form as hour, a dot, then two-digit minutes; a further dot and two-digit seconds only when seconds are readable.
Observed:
10.05.48
